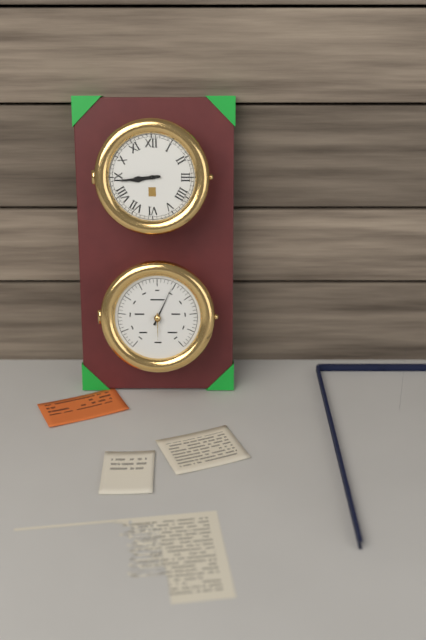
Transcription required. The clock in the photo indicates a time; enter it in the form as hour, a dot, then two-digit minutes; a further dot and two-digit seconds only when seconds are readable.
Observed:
8.44
